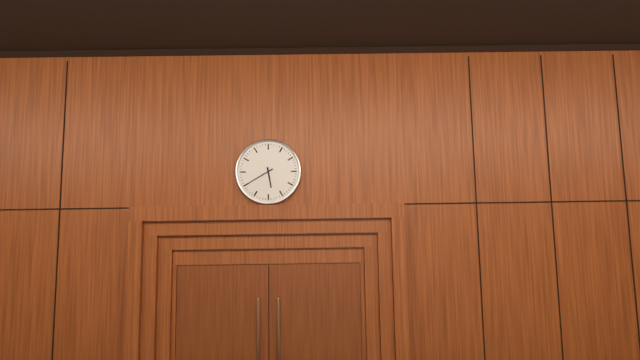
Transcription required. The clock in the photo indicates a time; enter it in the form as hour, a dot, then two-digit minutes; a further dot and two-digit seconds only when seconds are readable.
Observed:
5.40
